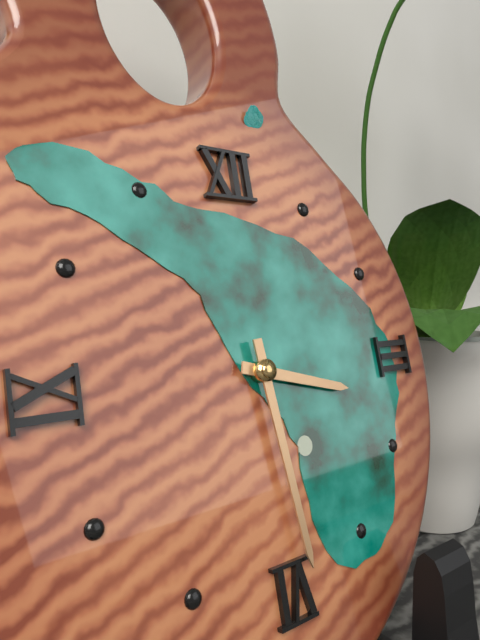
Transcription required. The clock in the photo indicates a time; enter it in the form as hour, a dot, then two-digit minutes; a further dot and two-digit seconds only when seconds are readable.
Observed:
3.29
